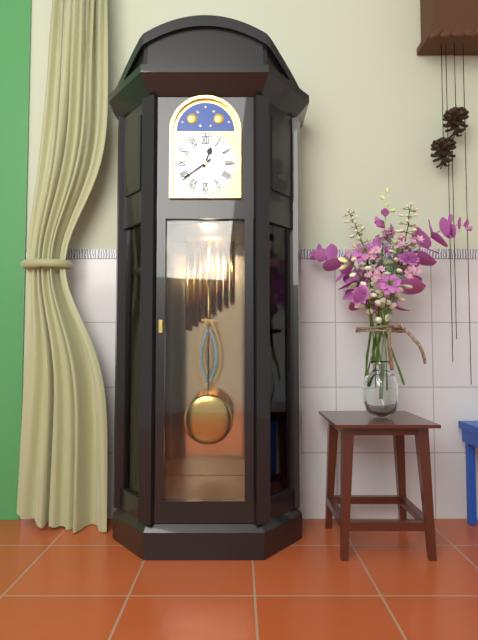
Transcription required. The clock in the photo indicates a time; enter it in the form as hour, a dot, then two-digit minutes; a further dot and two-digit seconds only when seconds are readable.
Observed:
12.39
